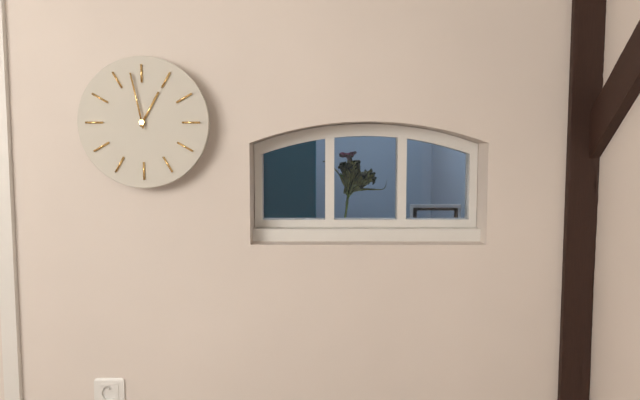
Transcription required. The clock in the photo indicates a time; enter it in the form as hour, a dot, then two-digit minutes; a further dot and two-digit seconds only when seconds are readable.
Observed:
12.58
